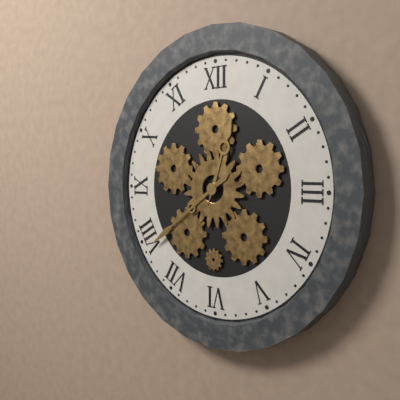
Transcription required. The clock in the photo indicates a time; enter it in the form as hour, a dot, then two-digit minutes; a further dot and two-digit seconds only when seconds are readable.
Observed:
12.39
